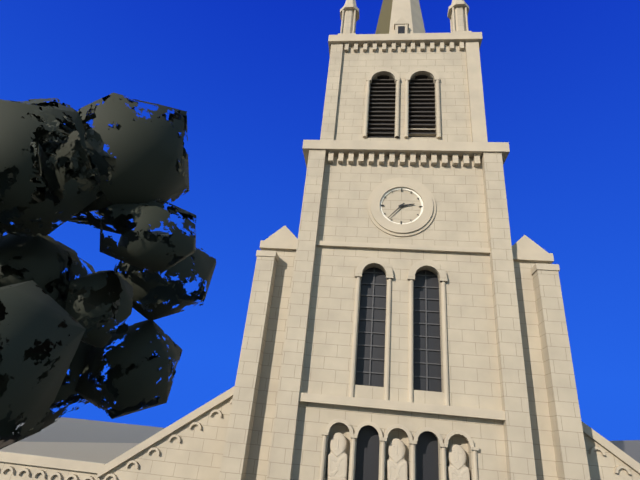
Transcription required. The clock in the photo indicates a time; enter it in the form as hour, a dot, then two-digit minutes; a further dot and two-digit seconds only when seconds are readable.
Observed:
2.37
